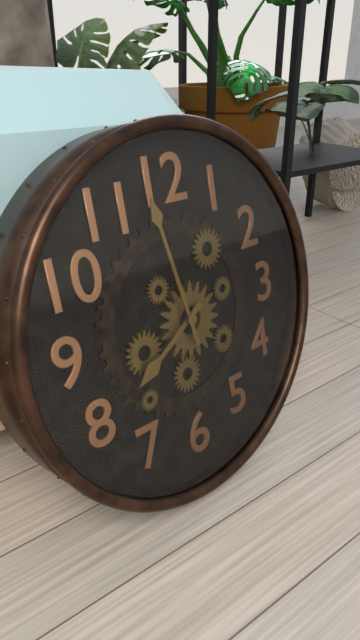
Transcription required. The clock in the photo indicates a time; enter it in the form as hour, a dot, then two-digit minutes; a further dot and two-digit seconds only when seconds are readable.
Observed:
7.58
